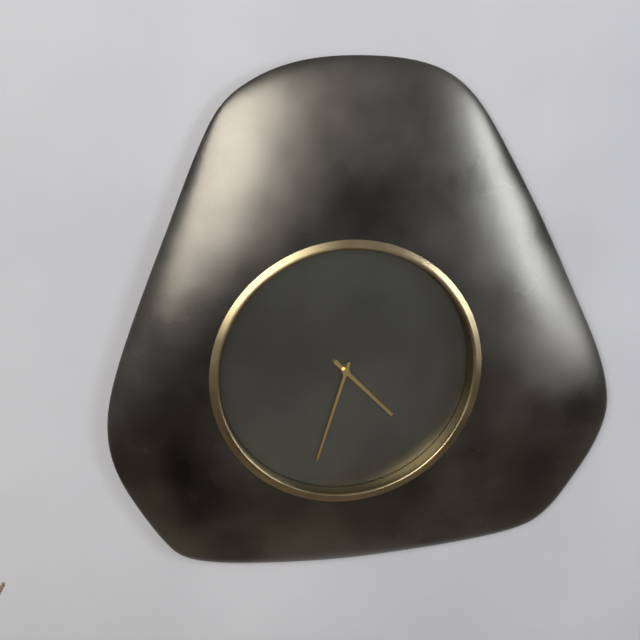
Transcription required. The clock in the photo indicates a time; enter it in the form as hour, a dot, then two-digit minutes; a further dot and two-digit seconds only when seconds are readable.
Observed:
4.33
